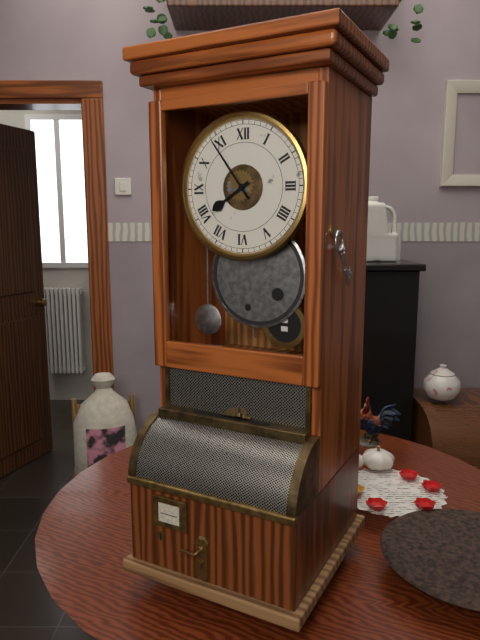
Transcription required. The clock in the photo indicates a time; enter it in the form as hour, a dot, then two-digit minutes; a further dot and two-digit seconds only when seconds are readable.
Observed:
7.54
